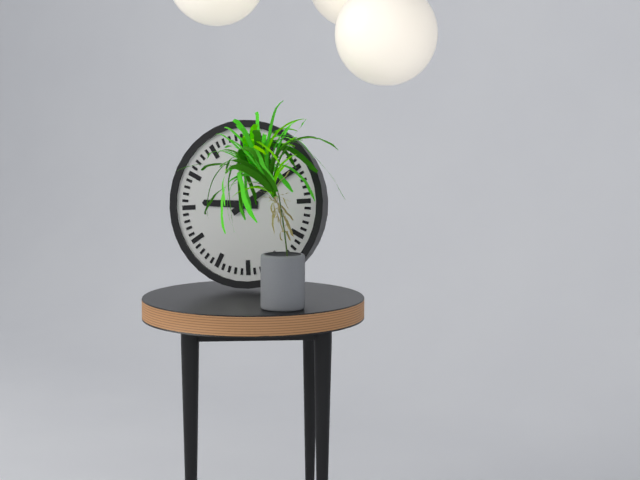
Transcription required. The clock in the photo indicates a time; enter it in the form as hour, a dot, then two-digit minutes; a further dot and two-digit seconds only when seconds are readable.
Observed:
9.10
